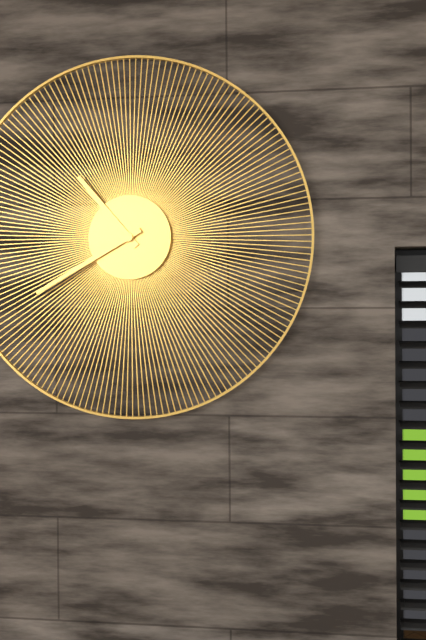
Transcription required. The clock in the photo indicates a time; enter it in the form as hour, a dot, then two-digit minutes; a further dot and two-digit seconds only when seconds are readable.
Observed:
10.40
